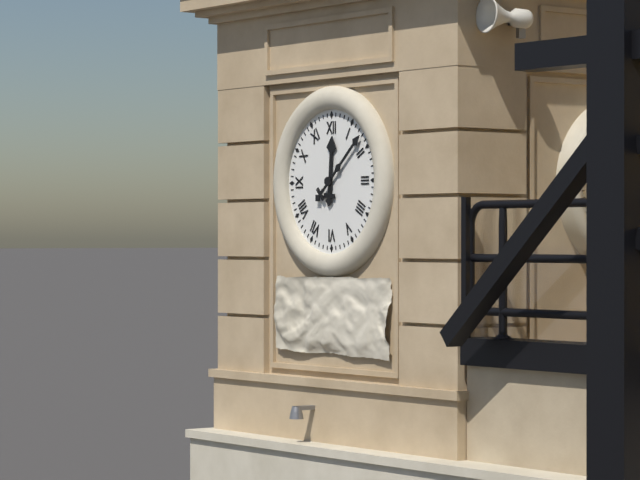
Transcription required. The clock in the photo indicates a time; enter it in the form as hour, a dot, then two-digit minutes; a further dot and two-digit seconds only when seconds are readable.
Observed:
12.08
